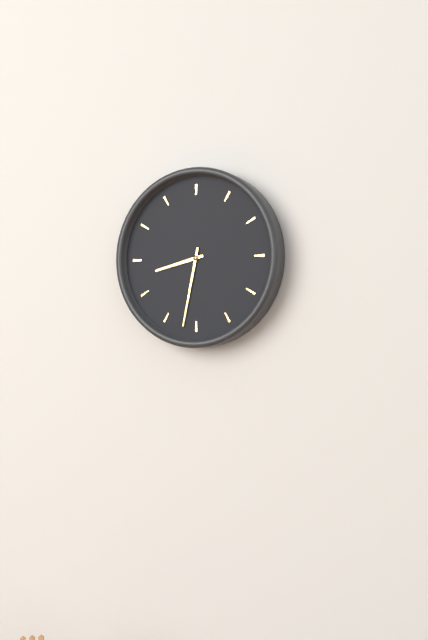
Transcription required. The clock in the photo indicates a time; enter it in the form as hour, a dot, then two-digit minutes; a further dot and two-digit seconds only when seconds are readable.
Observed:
8.32
